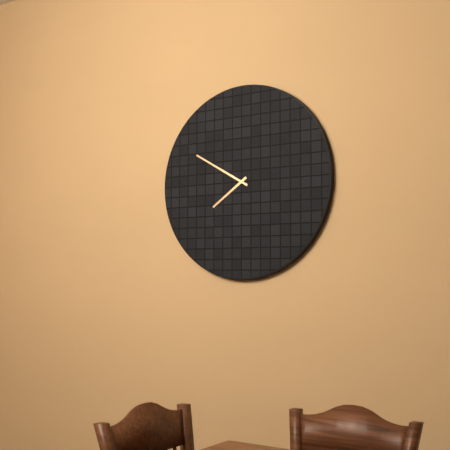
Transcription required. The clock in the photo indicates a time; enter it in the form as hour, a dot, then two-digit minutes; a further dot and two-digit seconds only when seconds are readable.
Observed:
7.50
